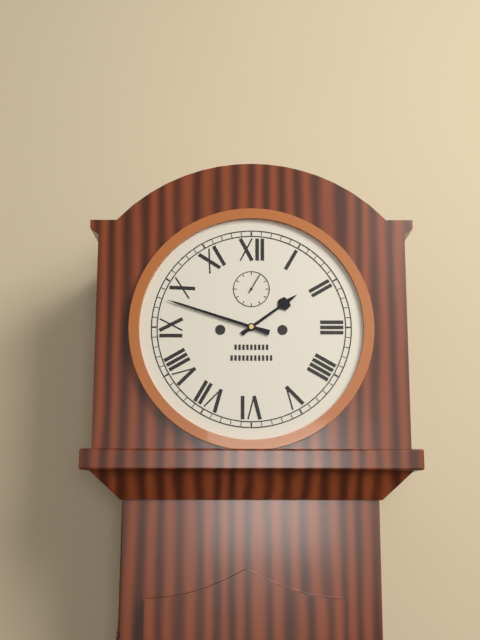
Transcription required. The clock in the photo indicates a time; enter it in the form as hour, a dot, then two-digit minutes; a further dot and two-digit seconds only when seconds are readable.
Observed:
1.48
